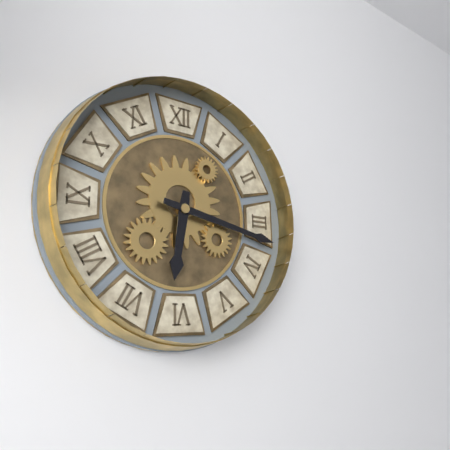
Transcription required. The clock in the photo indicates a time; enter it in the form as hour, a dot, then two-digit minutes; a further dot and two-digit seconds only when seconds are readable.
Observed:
6.17
